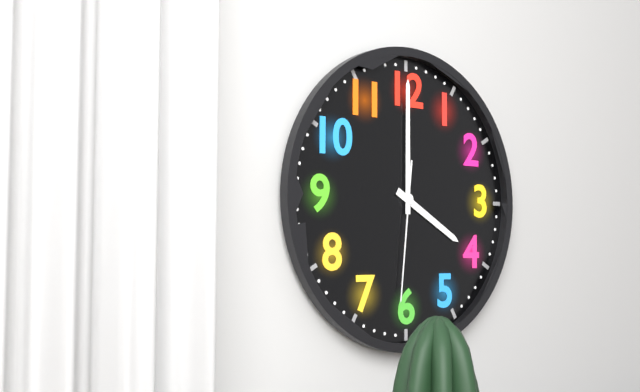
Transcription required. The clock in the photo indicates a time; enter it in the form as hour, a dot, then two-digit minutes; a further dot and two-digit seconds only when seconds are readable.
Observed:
4.00.31
